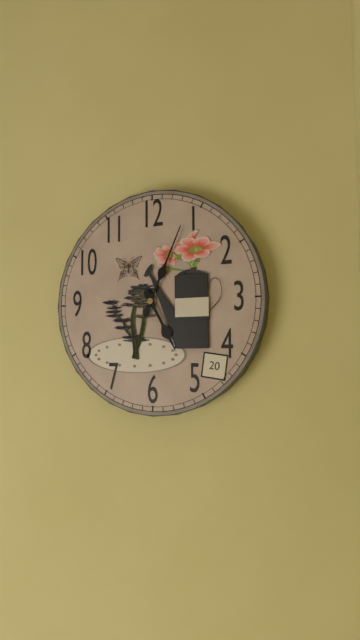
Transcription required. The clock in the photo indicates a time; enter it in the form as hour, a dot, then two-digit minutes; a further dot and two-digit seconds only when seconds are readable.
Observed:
5.04
